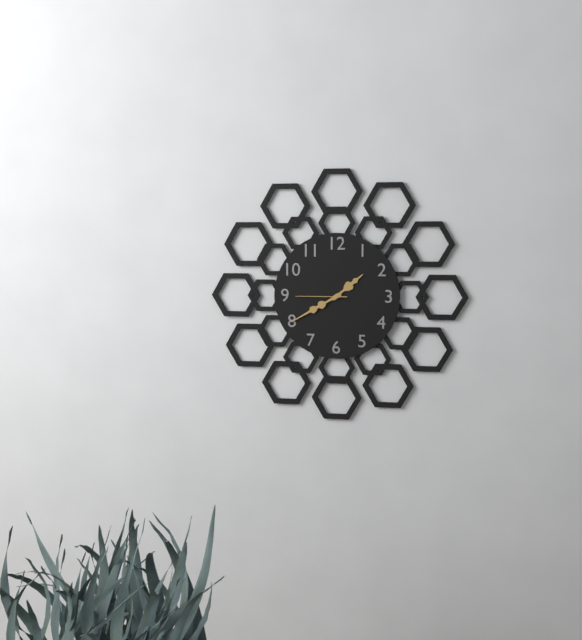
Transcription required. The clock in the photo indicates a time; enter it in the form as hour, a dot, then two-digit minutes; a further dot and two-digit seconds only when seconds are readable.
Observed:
1.40.45
